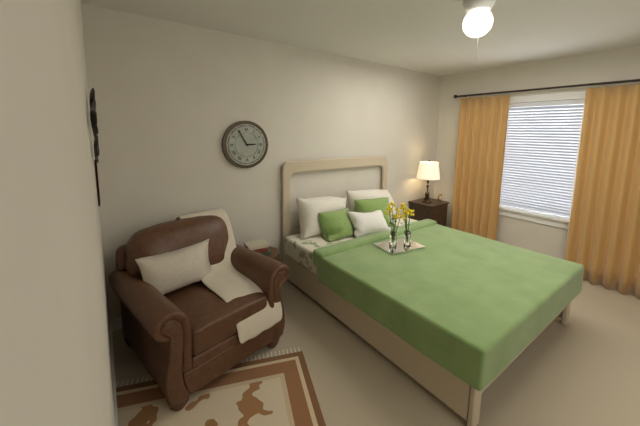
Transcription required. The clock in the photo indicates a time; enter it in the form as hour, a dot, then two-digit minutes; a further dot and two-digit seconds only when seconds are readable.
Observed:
2.55
